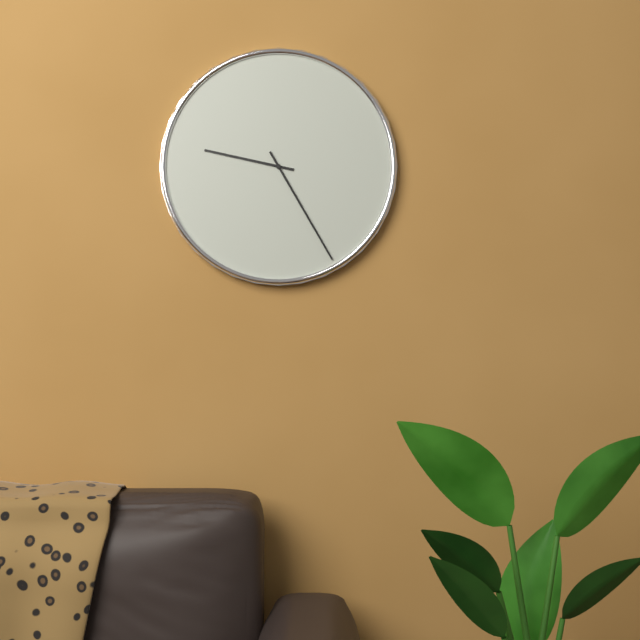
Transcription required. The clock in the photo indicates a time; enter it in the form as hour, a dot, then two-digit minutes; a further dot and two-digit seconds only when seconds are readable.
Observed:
9.25
